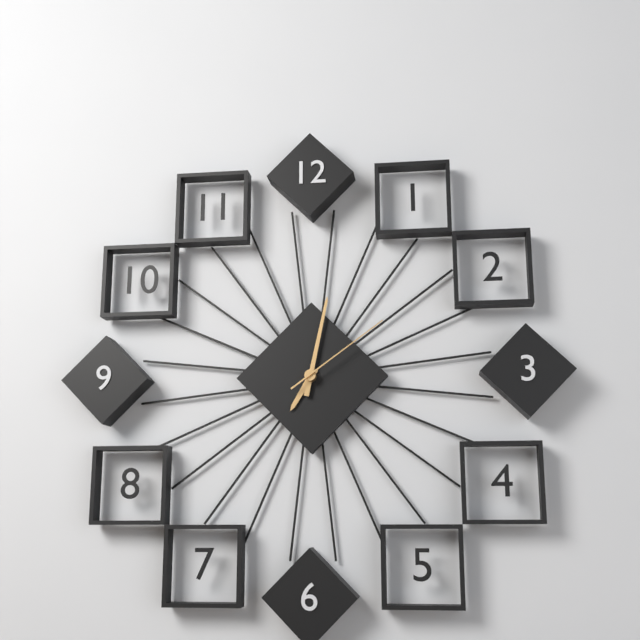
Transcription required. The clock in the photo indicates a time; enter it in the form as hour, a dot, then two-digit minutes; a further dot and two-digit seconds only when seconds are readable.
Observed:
7.02.09
